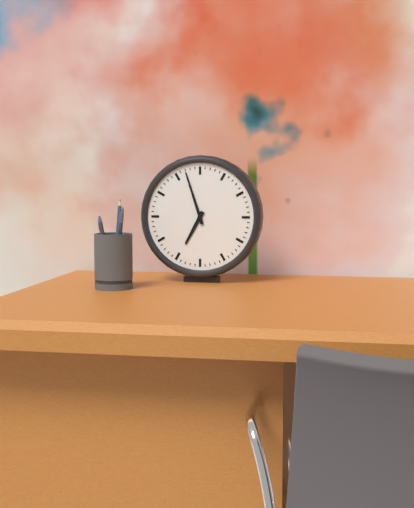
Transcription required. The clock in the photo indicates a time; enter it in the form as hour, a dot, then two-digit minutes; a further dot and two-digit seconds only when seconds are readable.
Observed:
6.57
